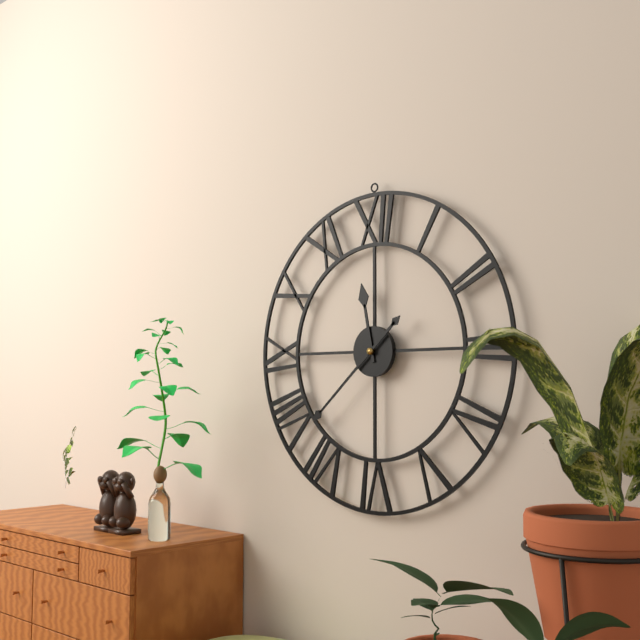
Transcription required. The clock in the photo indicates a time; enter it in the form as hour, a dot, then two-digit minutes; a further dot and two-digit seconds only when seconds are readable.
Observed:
11.38
